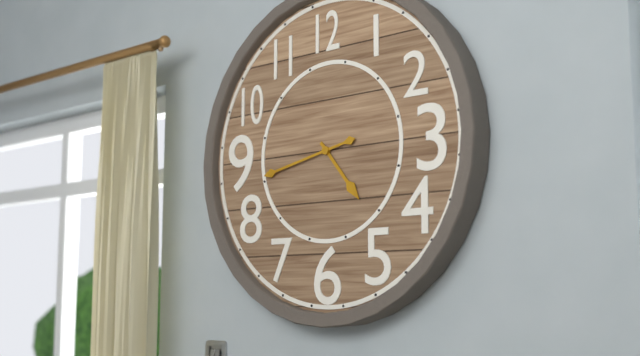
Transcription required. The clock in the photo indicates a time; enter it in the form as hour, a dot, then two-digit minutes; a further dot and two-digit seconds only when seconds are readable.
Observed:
4.43
